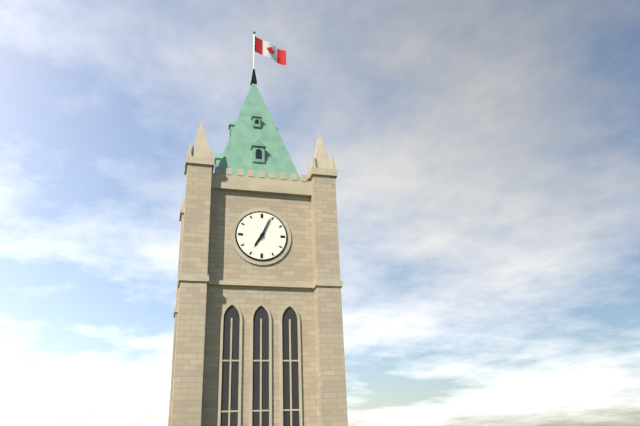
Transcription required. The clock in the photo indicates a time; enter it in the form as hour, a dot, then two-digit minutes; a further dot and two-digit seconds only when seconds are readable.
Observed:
7.04
